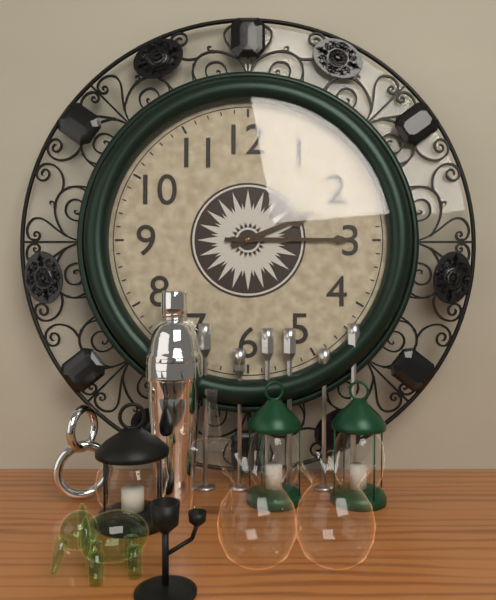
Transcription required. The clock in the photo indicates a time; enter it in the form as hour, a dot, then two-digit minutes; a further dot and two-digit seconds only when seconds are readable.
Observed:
2.15
